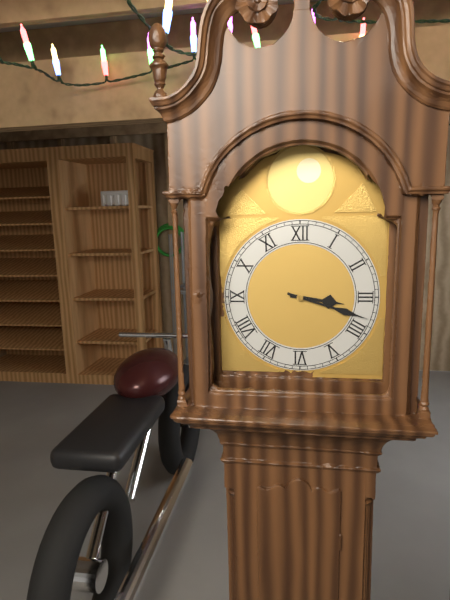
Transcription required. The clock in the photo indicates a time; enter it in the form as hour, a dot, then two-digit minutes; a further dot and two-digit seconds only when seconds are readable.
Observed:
3.18
